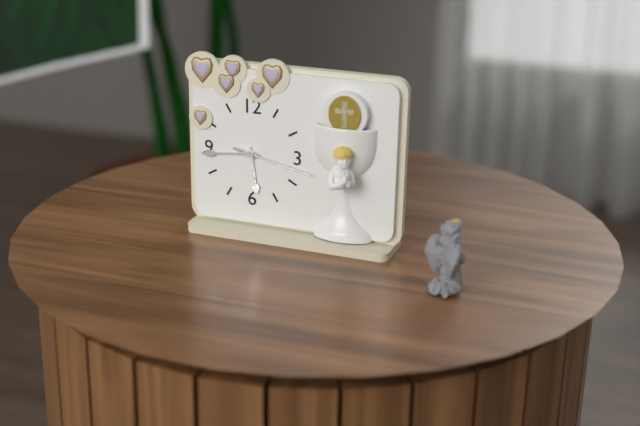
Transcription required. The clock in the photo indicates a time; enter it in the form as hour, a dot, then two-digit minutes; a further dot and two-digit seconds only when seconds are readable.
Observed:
5.44.17
